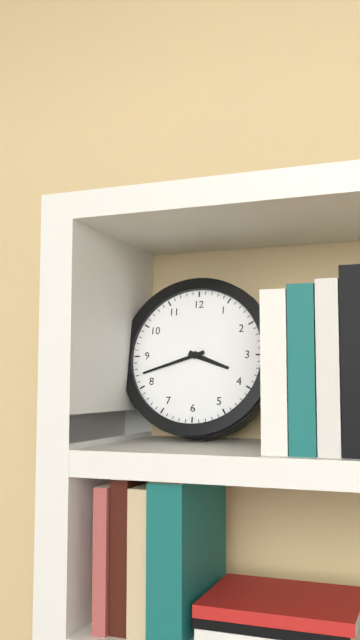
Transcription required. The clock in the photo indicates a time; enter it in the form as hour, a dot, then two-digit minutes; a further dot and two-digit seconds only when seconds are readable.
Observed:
3.42
